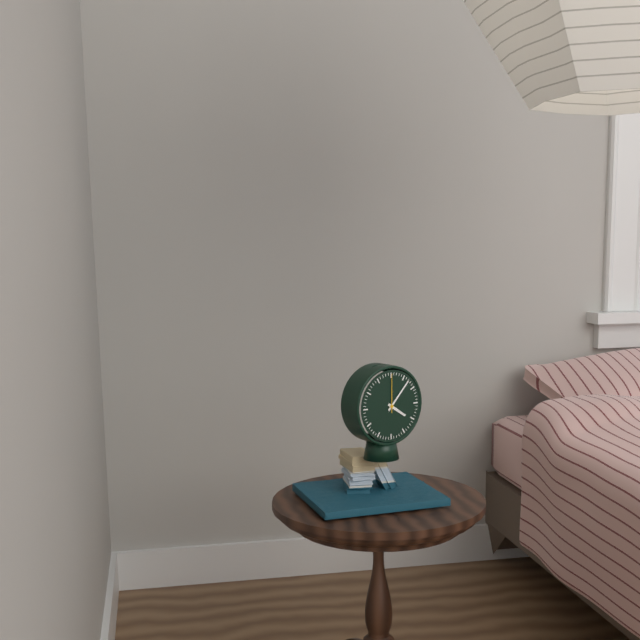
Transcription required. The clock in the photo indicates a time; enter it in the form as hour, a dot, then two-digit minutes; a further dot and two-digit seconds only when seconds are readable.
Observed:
4.07
